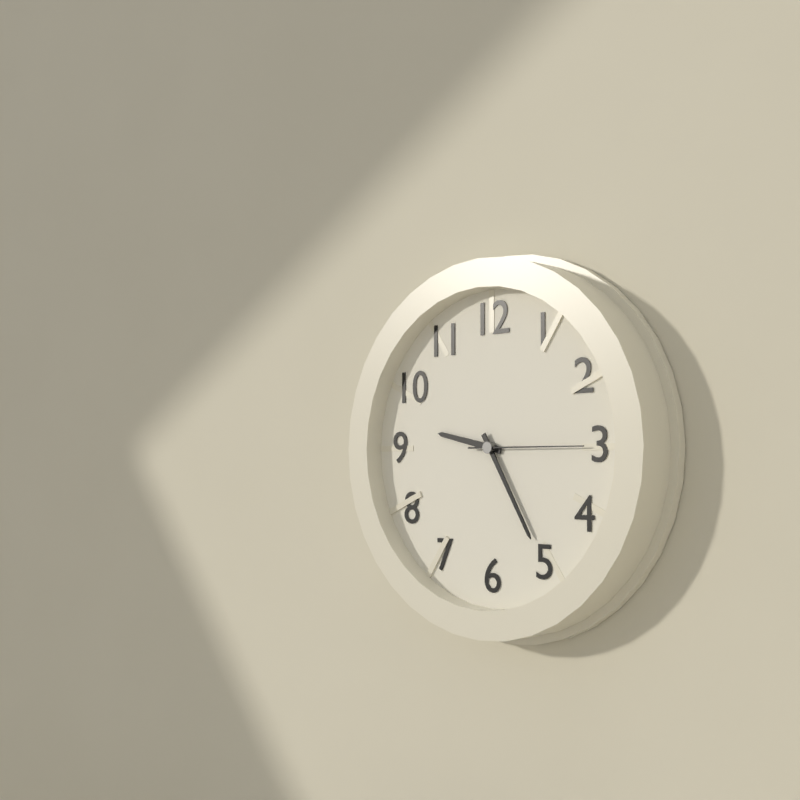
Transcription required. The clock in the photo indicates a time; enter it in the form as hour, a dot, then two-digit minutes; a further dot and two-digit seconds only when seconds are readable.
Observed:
9.25.15
